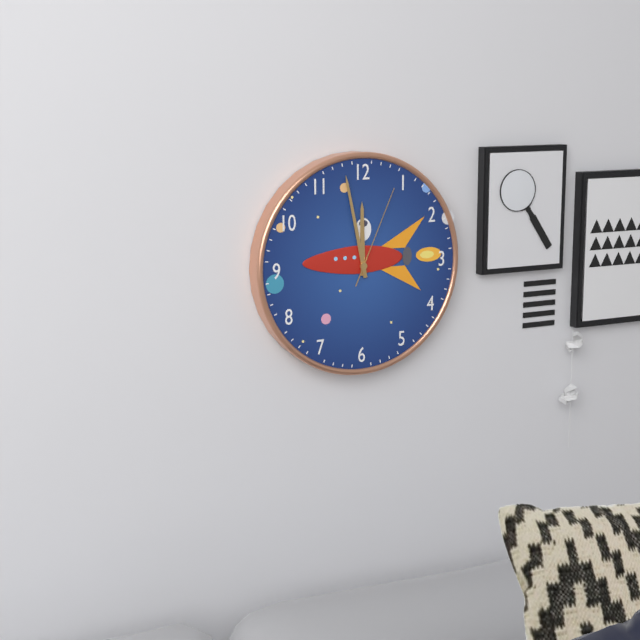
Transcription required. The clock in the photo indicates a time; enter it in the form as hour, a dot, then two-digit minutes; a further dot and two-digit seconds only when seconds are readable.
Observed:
11.58.04
